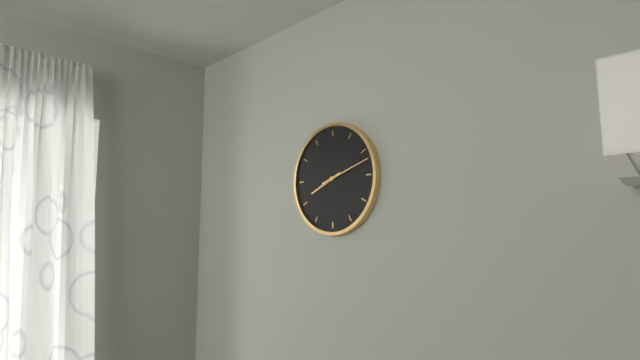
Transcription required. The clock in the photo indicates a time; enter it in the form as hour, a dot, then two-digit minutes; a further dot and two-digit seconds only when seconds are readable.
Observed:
8.12
